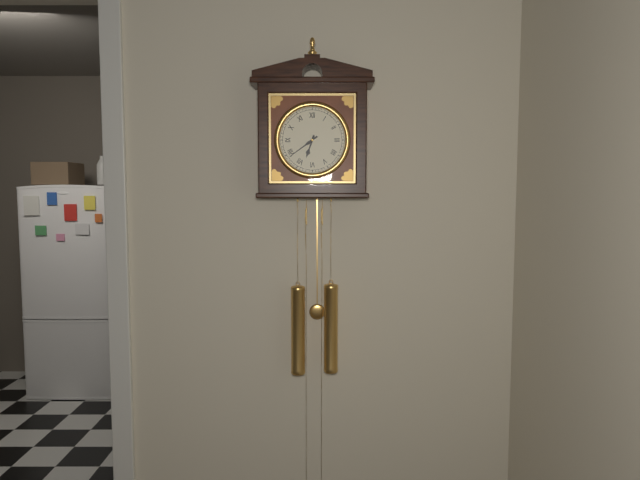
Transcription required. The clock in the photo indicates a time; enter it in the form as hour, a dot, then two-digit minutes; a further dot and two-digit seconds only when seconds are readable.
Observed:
6.39
